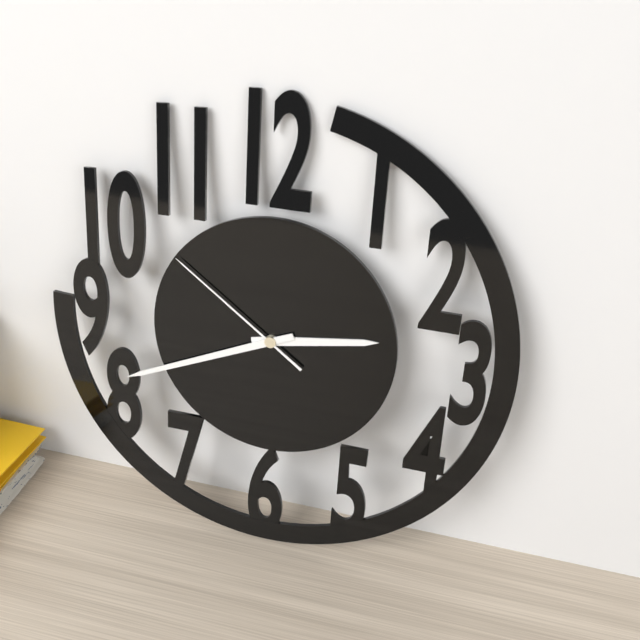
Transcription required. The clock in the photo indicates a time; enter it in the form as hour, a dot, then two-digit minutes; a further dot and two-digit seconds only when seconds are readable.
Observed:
2.41.51
